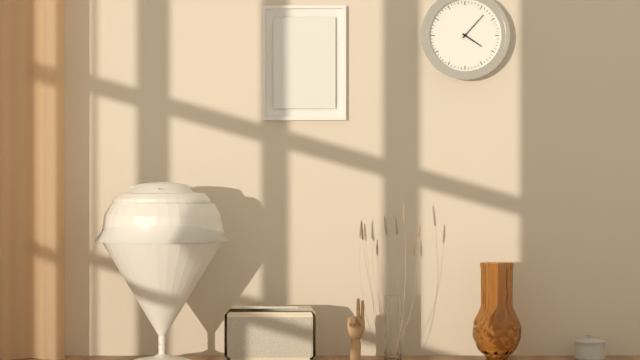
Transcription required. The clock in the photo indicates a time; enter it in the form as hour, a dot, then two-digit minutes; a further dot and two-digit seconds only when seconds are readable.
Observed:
4.07
